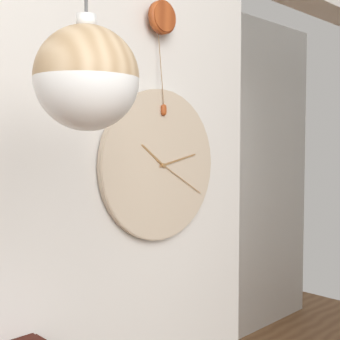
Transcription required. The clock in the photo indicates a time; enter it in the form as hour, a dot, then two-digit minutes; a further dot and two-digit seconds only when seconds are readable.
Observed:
10.13.20
